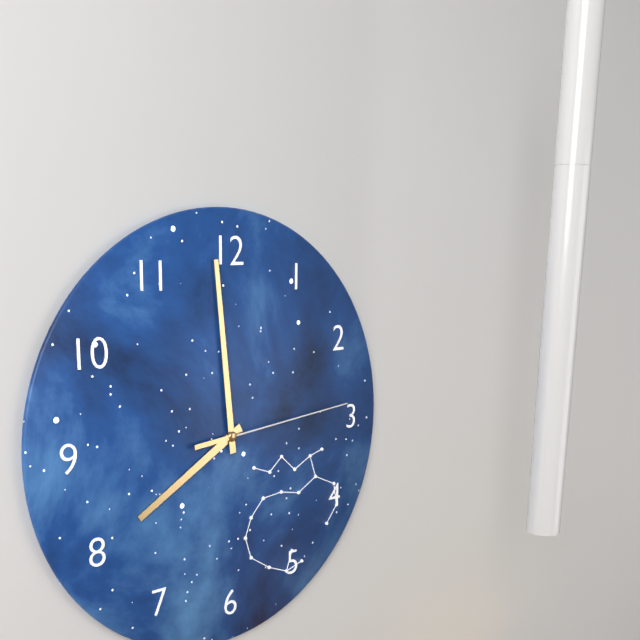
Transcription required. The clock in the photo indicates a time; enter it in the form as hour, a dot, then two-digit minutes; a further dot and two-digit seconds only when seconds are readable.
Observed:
7.59.14
